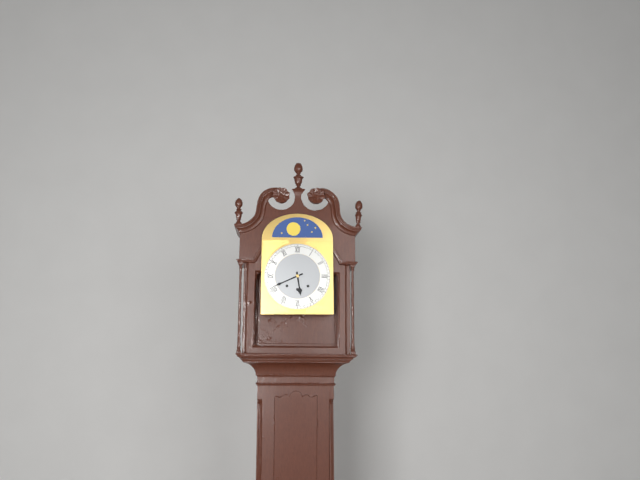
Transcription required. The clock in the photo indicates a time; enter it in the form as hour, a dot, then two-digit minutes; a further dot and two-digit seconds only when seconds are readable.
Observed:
5.41
